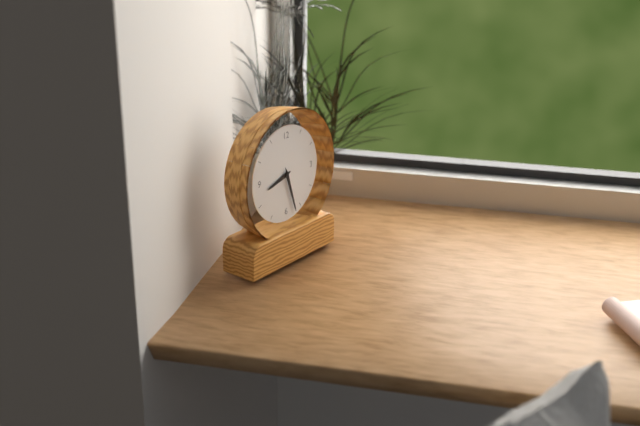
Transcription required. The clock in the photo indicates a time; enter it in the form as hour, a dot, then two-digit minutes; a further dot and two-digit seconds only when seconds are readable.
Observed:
8.27
